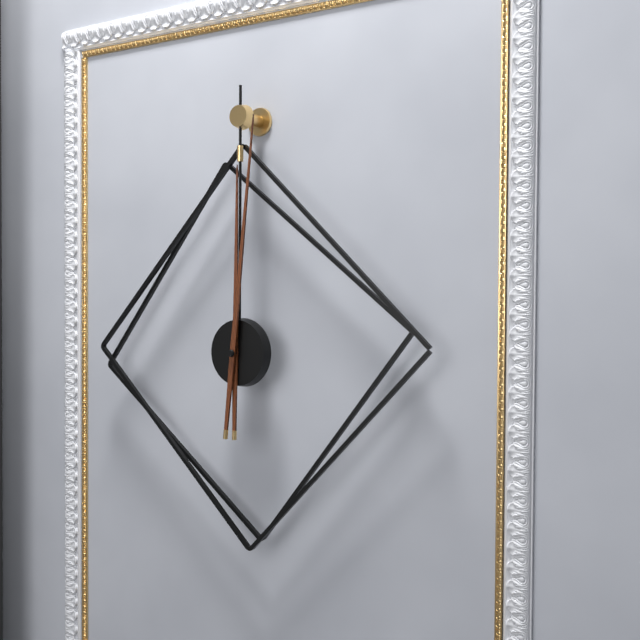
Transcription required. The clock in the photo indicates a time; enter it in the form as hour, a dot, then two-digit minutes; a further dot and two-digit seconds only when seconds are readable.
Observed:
12.01
